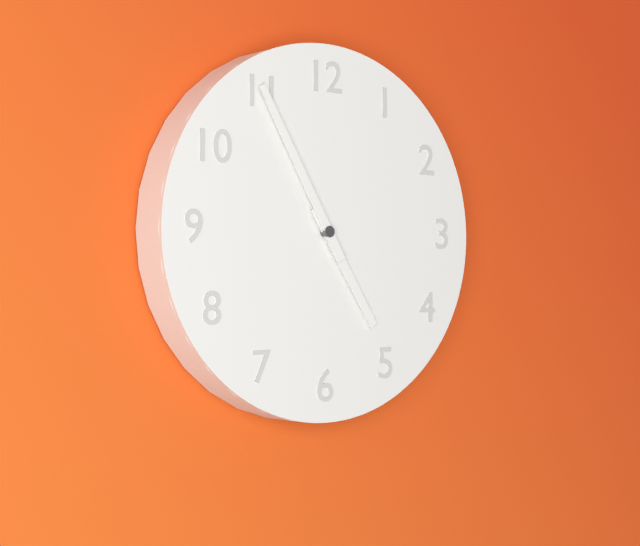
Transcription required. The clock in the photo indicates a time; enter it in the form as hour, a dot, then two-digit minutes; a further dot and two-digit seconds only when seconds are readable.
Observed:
4.55
